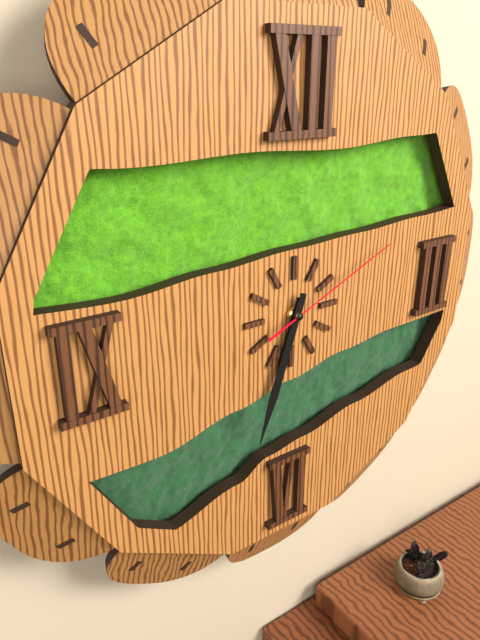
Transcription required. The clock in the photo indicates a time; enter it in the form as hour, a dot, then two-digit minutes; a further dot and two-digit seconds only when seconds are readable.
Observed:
6.33.11
